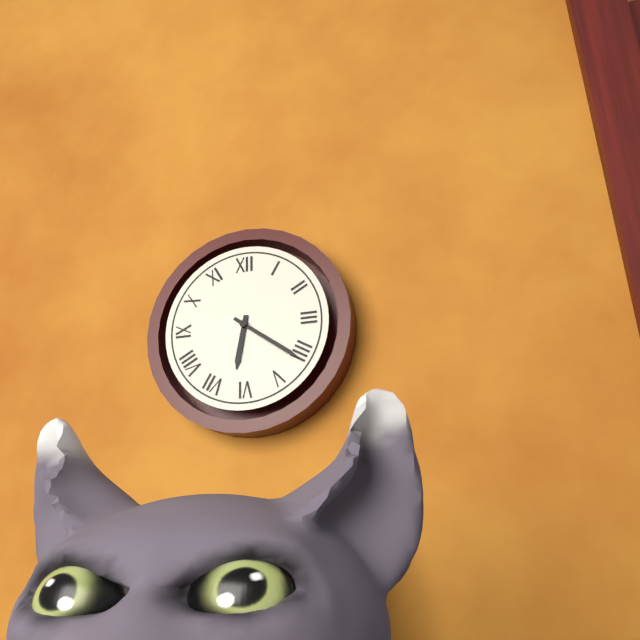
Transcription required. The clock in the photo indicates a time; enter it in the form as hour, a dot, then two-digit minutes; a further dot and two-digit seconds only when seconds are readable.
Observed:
6.21
